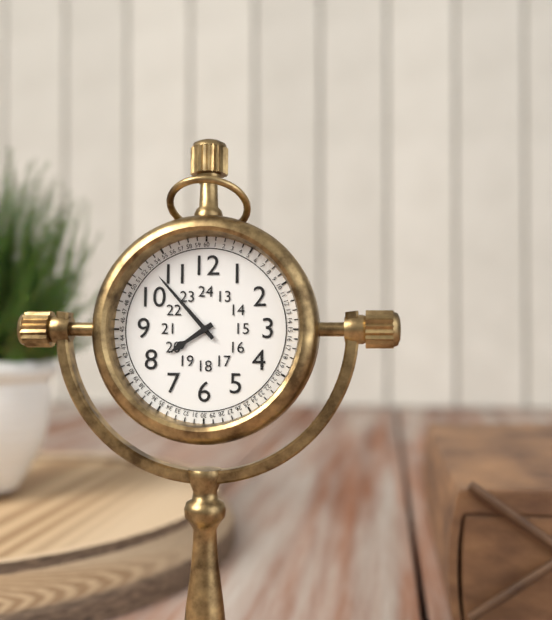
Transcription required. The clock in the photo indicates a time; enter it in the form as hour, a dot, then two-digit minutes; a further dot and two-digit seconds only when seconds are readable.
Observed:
7.53
